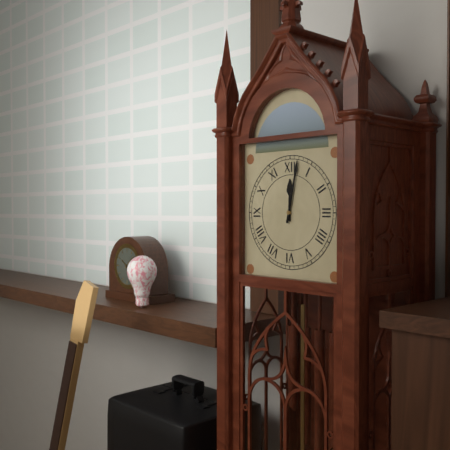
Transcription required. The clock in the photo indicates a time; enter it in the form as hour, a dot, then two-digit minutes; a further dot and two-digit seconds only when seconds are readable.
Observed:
12.02
